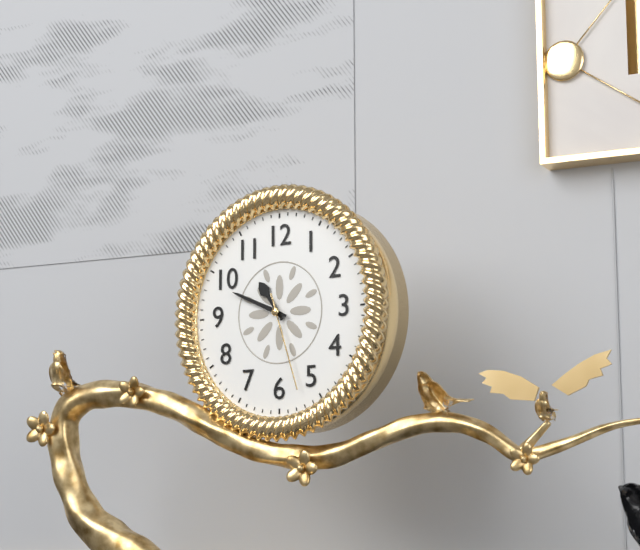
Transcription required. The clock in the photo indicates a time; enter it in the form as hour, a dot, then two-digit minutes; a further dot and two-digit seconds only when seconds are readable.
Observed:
10.49.27
